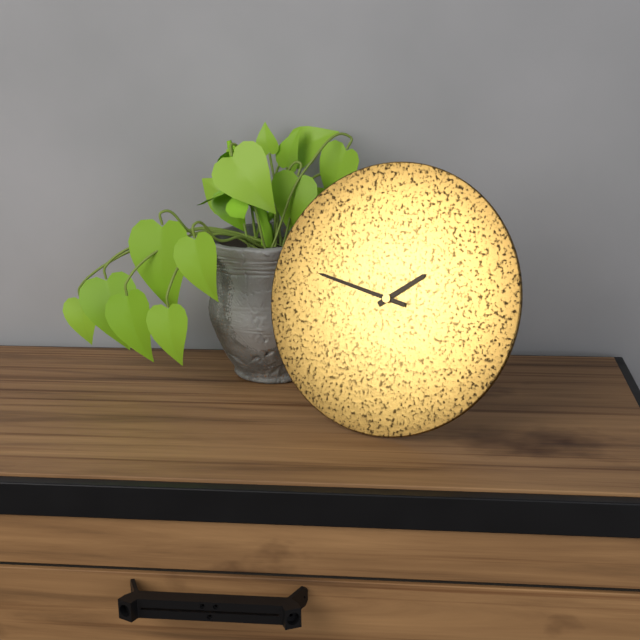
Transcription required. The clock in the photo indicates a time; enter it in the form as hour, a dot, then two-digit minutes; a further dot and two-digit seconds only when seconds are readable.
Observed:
1.47
